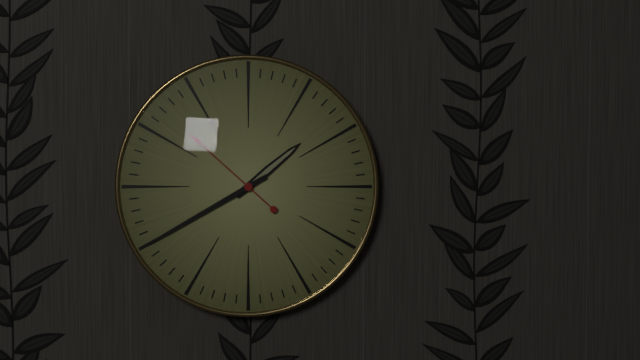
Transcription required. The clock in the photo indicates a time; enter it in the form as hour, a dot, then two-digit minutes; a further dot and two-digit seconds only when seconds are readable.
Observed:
1.40.52
